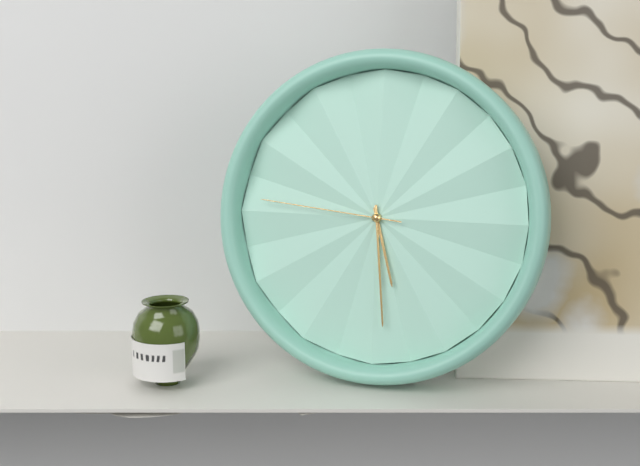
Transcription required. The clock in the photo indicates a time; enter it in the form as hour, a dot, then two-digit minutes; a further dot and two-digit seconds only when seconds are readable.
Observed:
5.29.46
